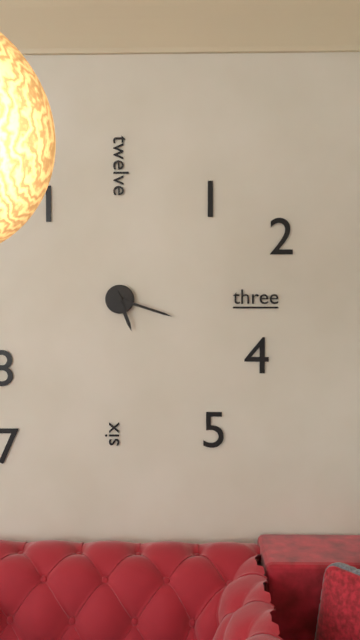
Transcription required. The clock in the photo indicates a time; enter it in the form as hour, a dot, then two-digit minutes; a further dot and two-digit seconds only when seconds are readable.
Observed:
5.18
